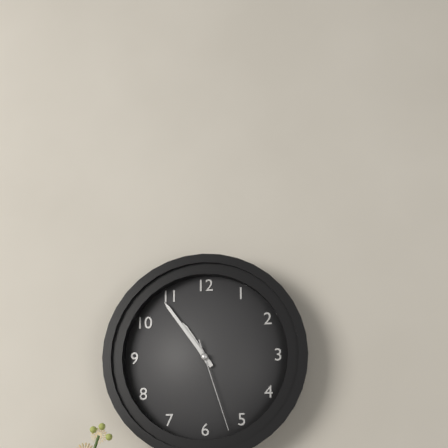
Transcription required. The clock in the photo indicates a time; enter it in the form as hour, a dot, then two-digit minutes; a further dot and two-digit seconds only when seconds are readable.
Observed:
10.54.27
